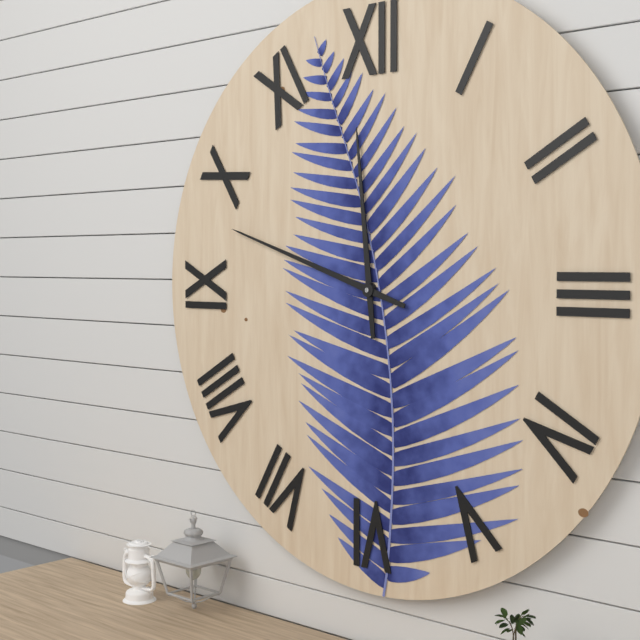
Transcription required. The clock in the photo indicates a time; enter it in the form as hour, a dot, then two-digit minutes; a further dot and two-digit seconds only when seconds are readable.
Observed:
11.48
